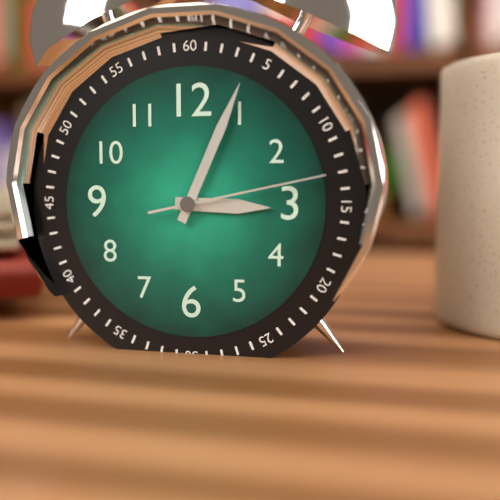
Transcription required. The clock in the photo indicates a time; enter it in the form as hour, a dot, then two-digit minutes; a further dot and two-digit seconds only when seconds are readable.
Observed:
3.04.13
